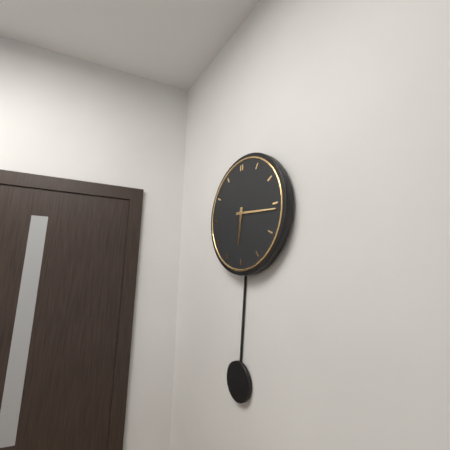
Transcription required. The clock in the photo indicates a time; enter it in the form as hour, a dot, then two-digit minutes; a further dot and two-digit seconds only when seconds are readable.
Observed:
6.16
